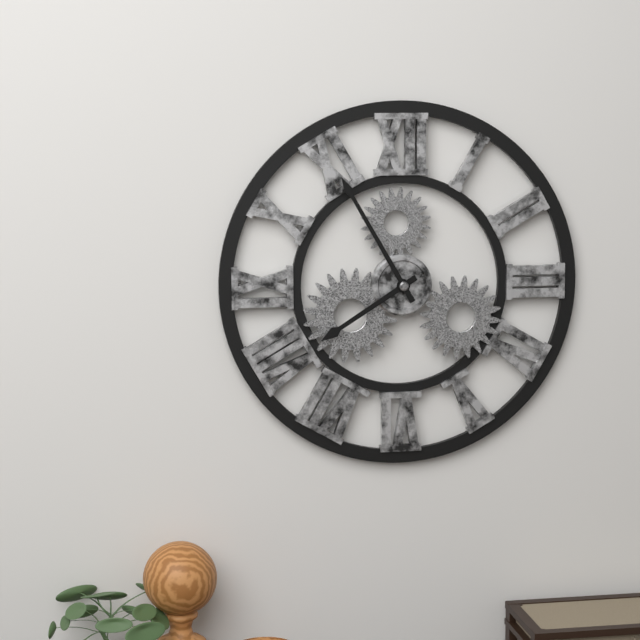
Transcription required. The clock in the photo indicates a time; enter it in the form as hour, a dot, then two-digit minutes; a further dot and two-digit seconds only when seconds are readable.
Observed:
7.55
